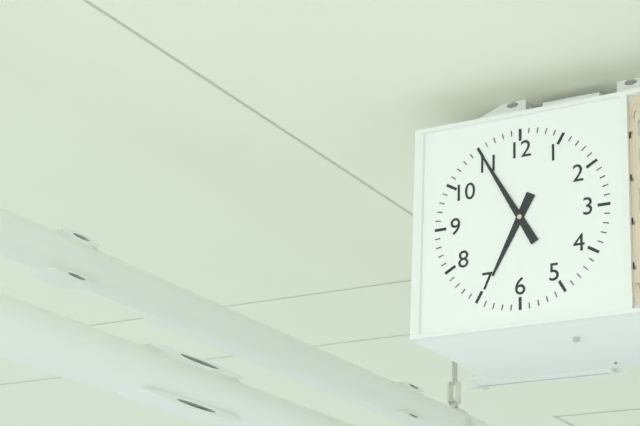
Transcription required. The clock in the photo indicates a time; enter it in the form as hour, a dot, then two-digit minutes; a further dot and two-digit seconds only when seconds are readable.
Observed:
6.55
